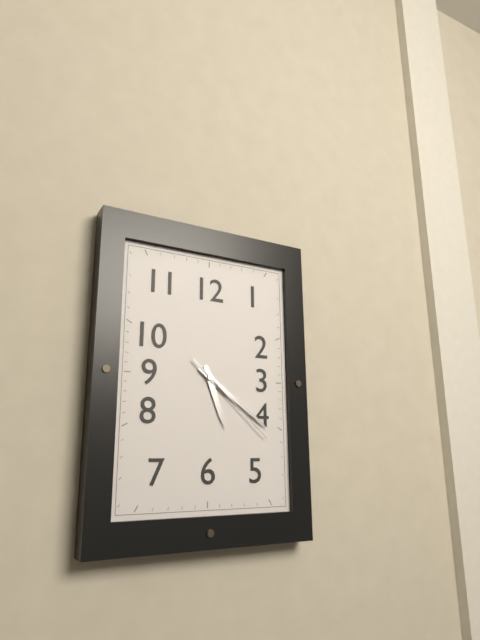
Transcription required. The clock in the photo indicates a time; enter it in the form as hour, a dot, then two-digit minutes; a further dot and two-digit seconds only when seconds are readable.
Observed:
5.21.22
